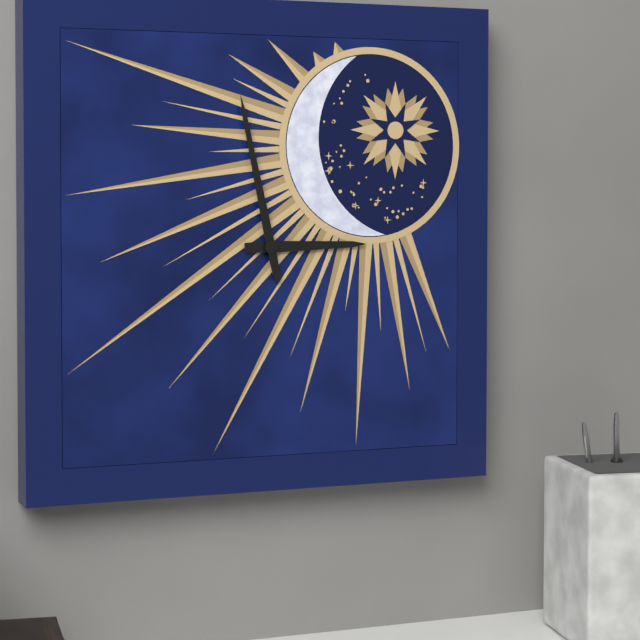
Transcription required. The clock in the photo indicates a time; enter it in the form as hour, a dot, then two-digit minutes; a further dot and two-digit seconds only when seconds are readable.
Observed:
2.58
